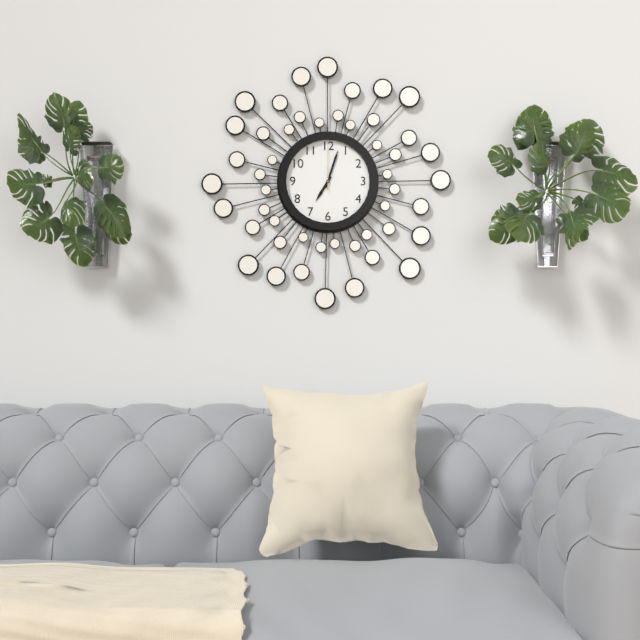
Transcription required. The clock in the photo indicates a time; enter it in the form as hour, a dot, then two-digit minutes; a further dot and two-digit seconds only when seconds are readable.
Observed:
7.03
